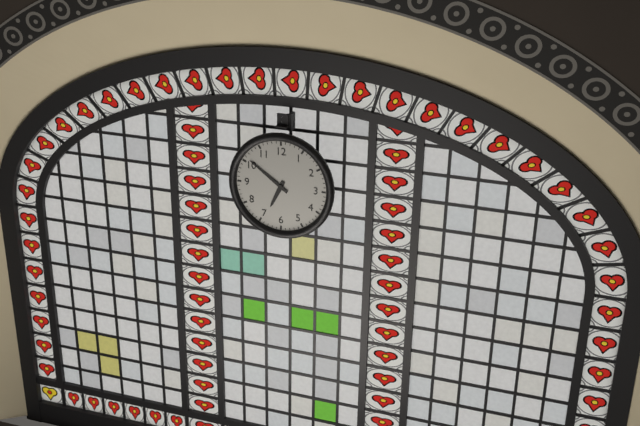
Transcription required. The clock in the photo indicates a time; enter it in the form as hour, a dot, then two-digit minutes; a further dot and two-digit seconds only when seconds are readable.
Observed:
6.51
